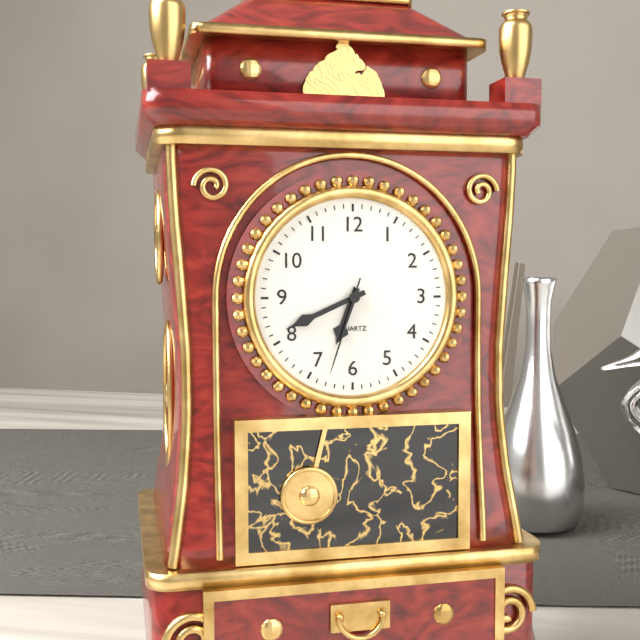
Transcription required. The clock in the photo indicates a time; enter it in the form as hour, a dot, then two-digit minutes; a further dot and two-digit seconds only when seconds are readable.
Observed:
6.41.33
